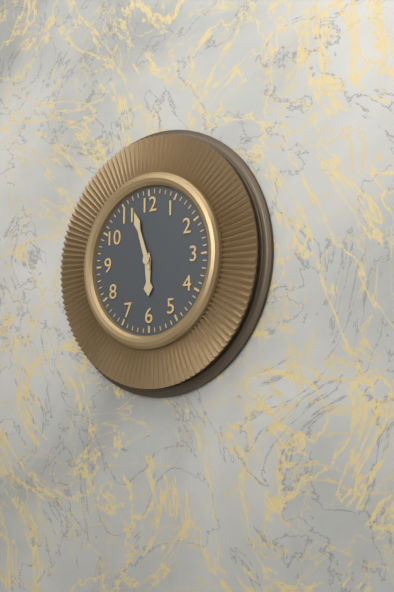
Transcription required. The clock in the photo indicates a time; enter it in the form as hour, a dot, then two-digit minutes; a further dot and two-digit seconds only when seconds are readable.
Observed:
5.57
